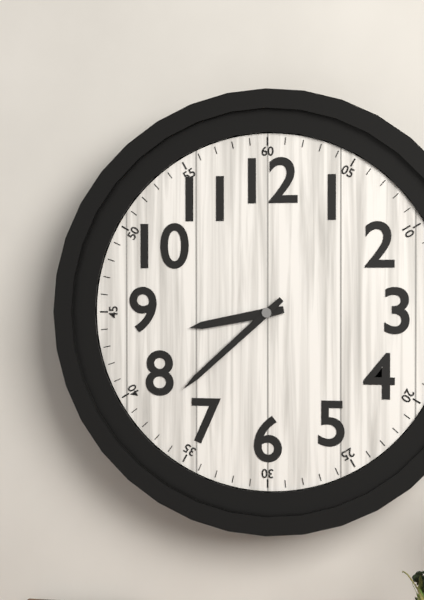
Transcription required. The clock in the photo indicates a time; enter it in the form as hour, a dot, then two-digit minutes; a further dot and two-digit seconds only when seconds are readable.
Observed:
8.38
